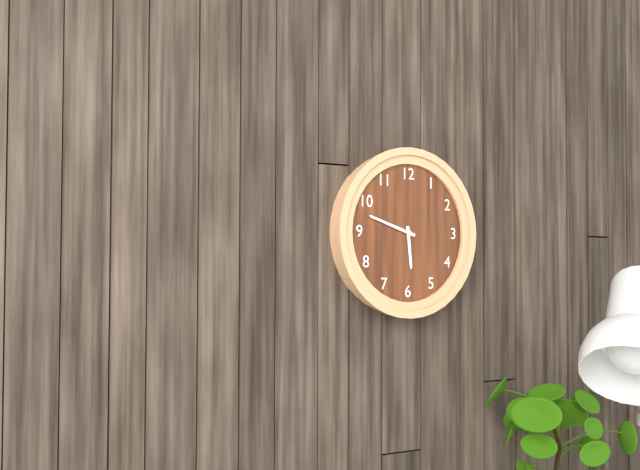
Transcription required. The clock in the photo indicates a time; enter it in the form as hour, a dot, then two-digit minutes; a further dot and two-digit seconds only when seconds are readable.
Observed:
5.48
